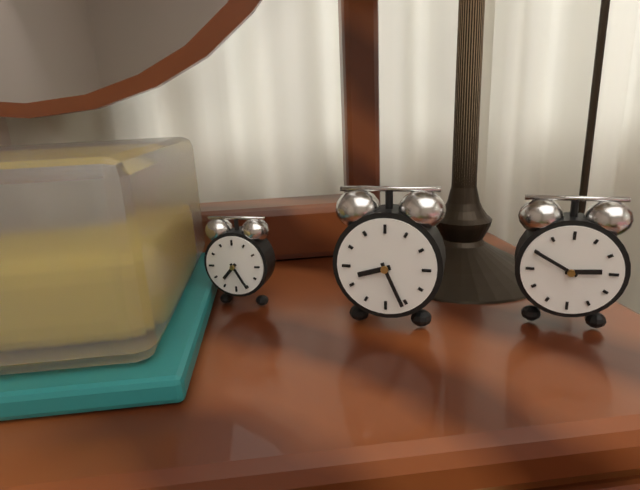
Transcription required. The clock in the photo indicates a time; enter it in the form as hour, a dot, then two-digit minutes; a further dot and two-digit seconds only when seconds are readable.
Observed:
8.26
